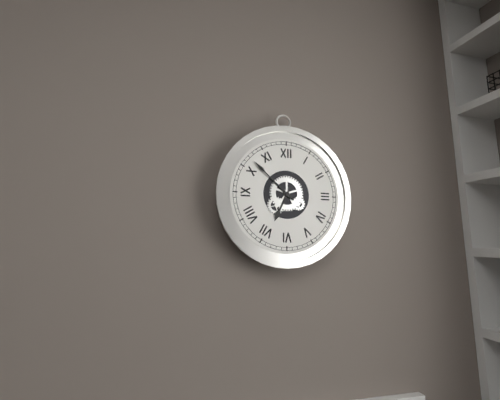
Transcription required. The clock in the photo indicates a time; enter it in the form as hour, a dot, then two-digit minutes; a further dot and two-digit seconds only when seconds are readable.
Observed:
6.52
